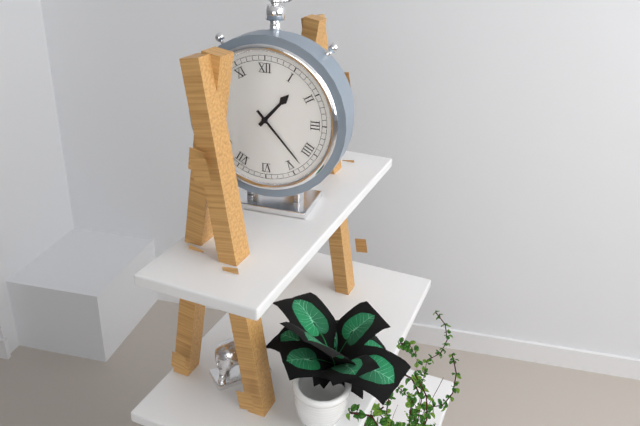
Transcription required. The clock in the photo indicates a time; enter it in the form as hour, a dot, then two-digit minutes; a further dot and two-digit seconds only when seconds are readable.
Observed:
1.23
